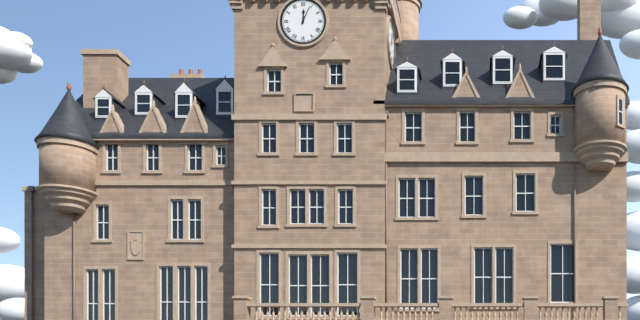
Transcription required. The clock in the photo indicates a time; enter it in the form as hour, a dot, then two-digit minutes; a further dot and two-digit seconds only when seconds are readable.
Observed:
12.04
